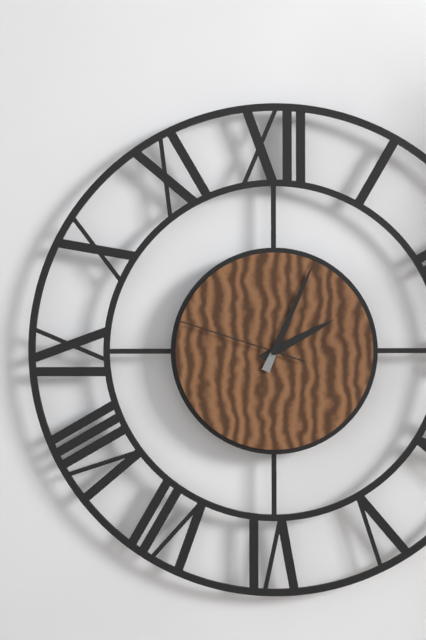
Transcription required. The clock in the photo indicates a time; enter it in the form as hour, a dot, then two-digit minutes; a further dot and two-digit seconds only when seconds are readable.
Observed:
2.04.48
